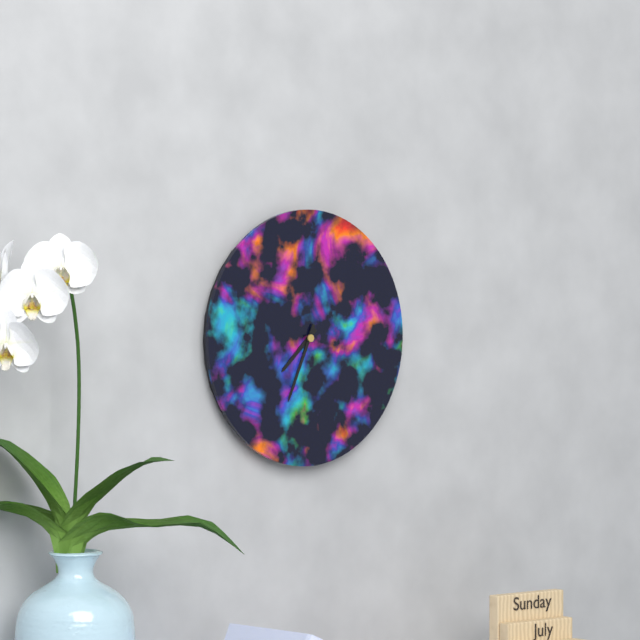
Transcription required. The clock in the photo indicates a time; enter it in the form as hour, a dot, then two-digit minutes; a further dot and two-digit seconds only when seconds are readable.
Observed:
7.34
